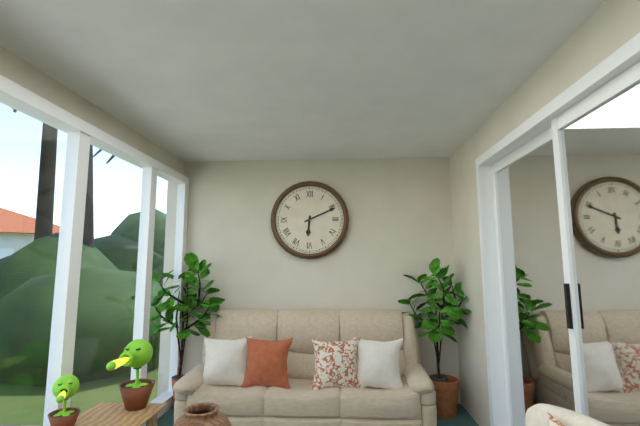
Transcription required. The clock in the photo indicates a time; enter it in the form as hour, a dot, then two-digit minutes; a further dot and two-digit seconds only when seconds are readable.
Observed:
6.11
